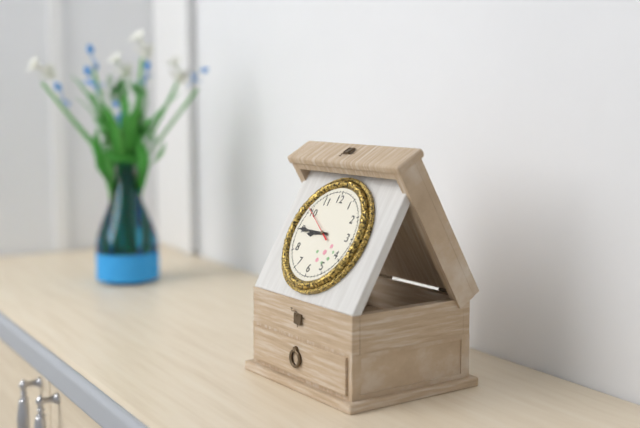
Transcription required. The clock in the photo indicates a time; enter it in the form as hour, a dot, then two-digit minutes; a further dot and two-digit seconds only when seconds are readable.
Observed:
8.45
